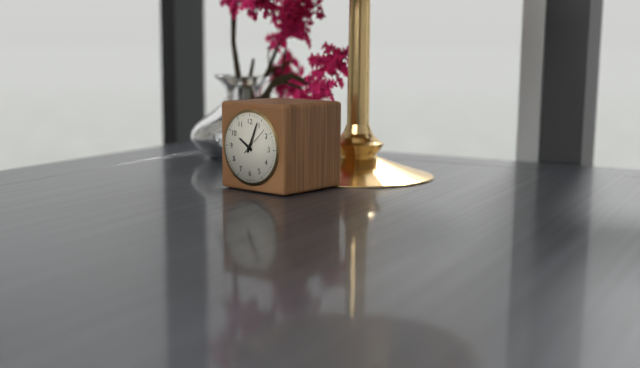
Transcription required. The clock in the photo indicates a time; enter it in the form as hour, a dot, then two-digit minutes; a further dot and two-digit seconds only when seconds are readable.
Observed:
10.04
